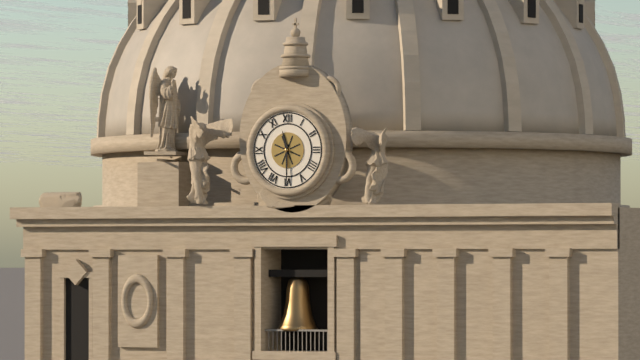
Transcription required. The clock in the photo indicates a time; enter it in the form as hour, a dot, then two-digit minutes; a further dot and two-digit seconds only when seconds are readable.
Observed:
11.30
